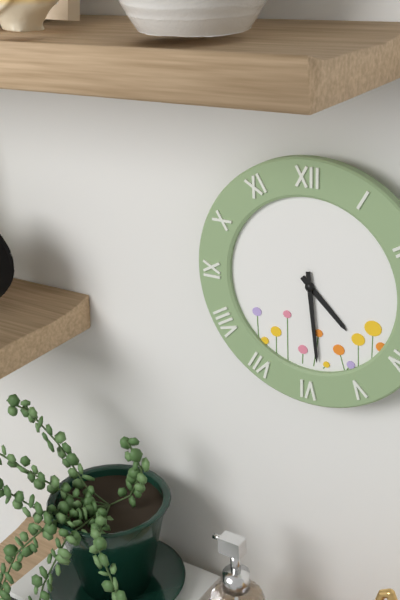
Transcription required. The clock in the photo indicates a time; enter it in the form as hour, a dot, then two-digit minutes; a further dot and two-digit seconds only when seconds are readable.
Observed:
4.29
